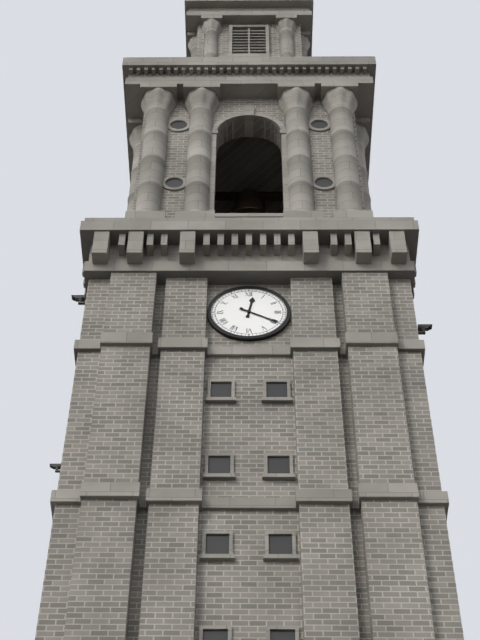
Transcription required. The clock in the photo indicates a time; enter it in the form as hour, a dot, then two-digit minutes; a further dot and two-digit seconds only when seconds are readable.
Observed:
12.20
